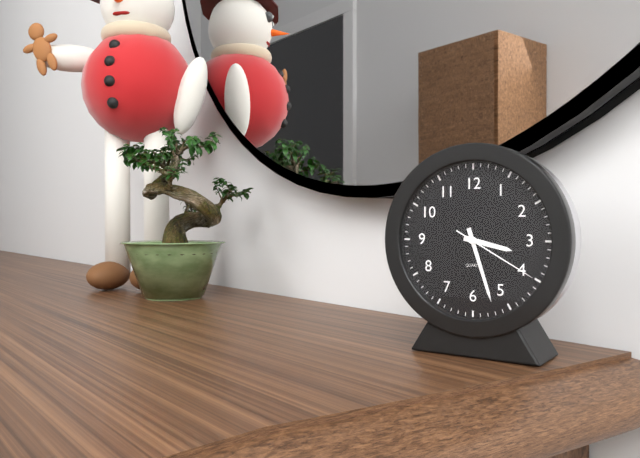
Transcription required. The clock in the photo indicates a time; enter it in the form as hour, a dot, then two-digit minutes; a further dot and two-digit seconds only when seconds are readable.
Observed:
3.27.20
